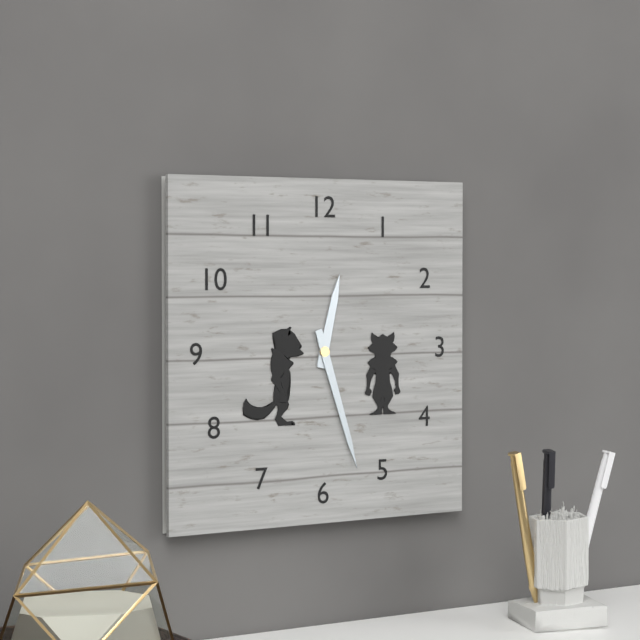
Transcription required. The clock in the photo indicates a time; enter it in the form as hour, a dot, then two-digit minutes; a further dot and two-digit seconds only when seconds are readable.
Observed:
12.27
